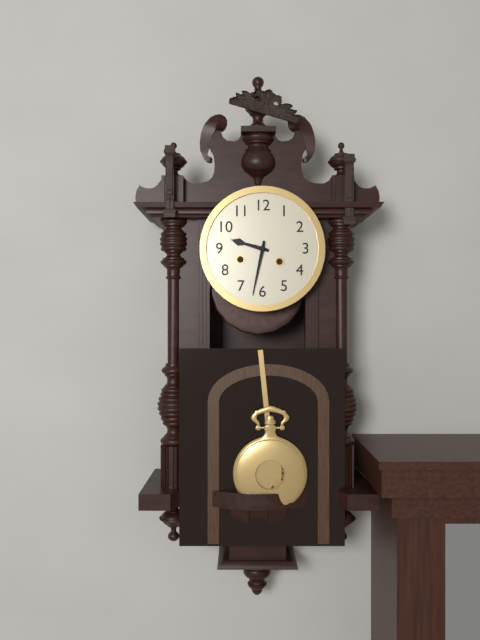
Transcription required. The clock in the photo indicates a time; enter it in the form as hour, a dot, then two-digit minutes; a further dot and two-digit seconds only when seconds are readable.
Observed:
9.32
